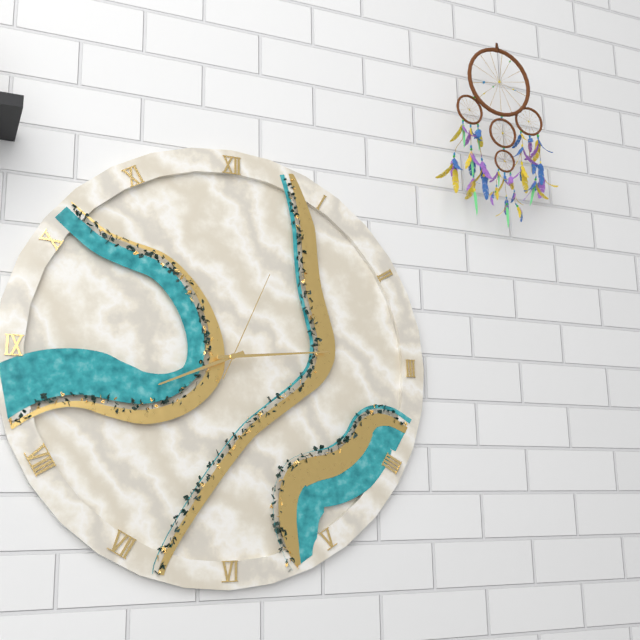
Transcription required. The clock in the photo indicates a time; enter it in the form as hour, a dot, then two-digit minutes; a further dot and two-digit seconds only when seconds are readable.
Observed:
8.14.04
